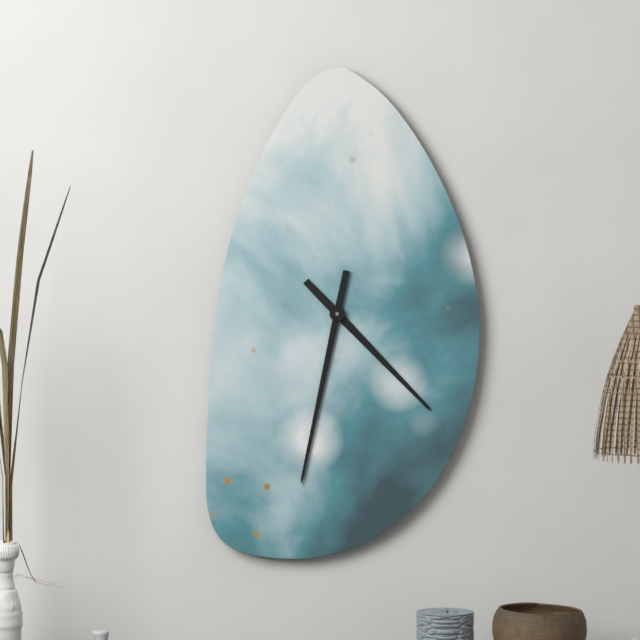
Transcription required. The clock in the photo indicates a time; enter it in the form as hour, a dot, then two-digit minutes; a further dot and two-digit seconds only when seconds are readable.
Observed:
4.32
